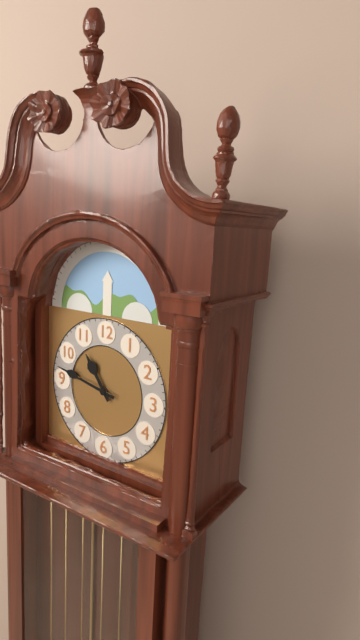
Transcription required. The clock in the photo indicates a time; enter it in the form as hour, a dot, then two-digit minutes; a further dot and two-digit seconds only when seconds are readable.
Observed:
10.47
